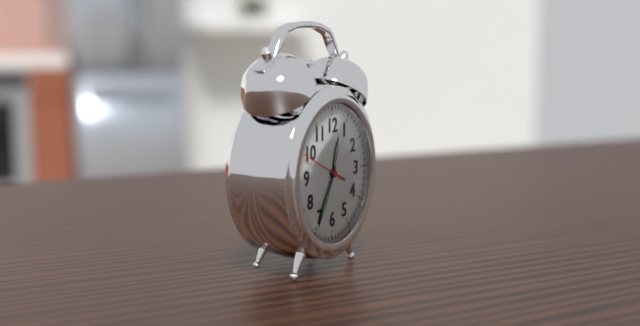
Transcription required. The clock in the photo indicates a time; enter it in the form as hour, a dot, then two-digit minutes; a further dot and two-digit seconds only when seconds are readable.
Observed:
12.35
